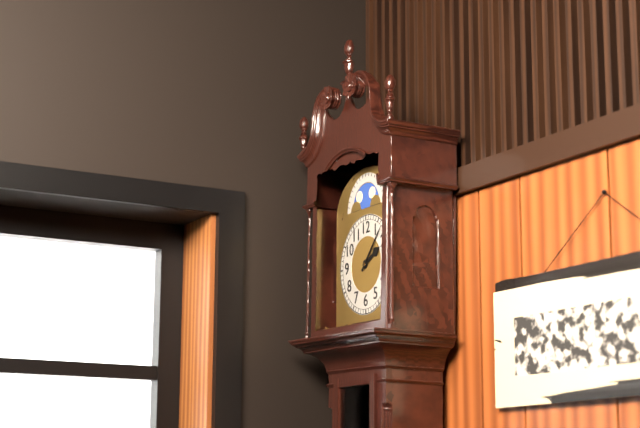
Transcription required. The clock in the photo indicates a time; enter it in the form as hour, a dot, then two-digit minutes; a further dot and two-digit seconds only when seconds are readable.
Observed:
2.07
